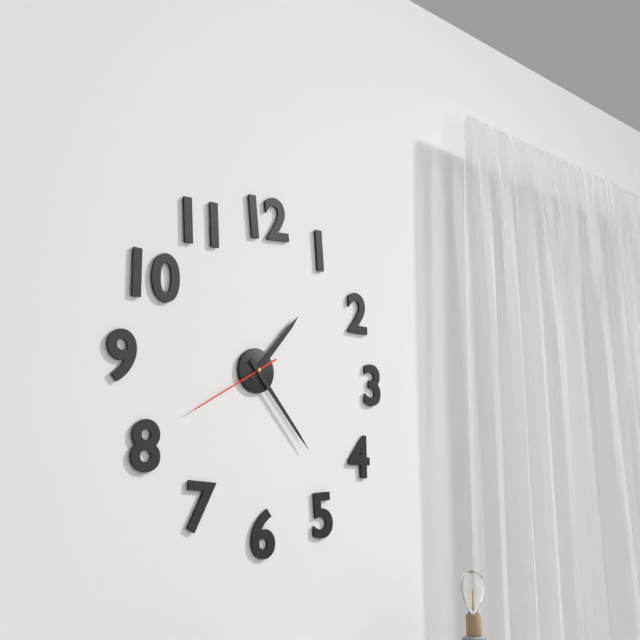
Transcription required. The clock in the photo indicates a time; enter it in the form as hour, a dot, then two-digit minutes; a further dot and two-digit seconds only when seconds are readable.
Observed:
1.23.40
